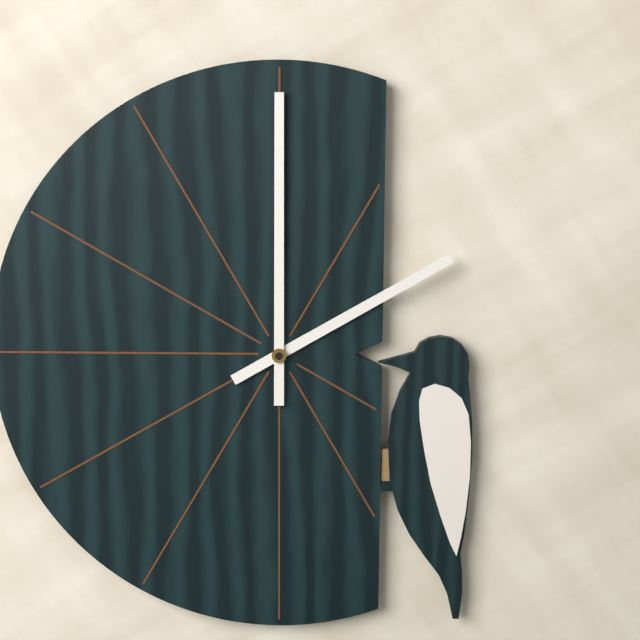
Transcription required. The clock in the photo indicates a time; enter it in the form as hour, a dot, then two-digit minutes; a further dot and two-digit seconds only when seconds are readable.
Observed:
2.00
